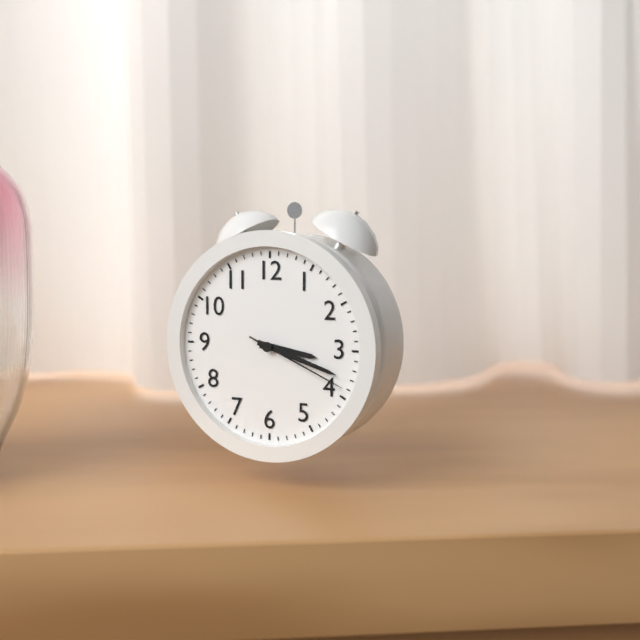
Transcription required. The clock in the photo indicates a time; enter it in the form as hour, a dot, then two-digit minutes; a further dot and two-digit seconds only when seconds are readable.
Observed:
3.18.19
